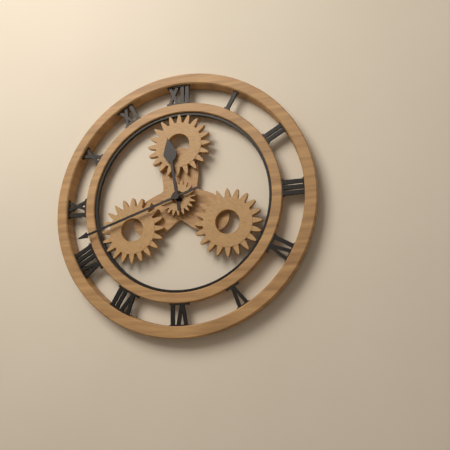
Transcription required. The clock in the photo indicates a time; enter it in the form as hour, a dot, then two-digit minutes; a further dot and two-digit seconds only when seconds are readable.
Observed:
11.42
